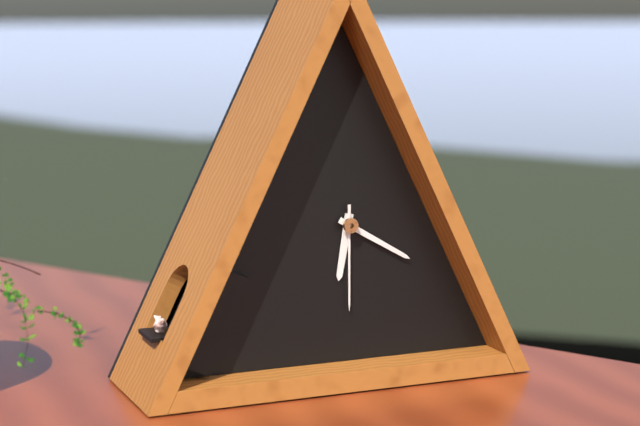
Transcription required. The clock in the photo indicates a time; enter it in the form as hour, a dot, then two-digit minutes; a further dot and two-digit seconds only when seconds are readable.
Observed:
6.20.30
